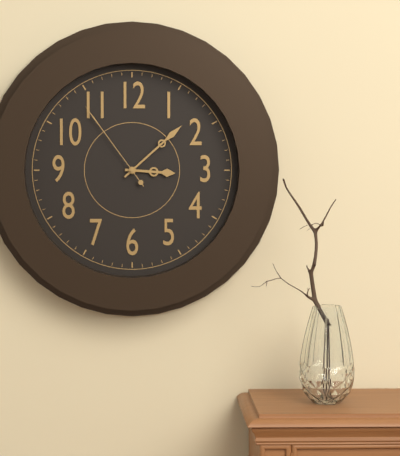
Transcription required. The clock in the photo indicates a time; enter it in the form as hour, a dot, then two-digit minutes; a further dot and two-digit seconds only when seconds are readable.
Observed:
3.08.54
